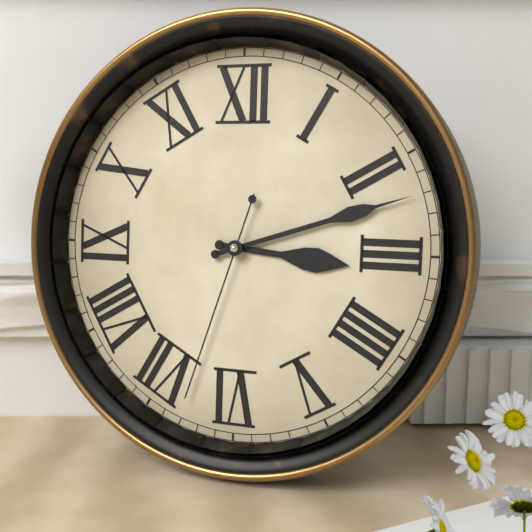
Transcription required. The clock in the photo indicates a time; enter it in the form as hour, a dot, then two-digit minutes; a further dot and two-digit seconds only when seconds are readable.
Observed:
3.12.33
